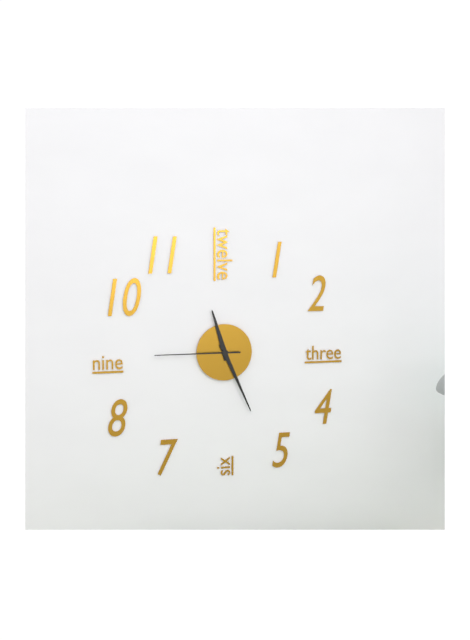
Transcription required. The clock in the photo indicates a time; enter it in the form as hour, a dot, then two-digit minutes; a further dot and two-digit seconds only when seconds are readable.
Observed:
11.26.45
